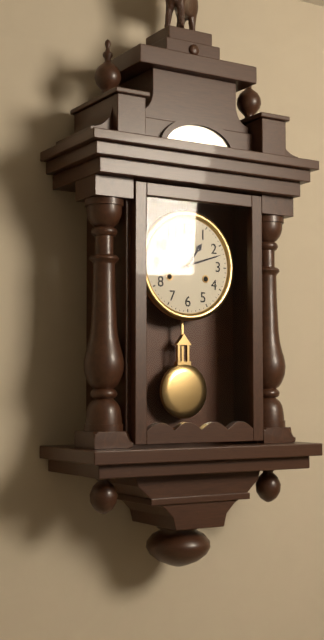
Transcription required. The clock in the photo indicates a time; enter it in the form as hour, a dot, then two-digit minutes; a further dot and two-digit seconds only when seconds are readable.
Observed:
1.12
